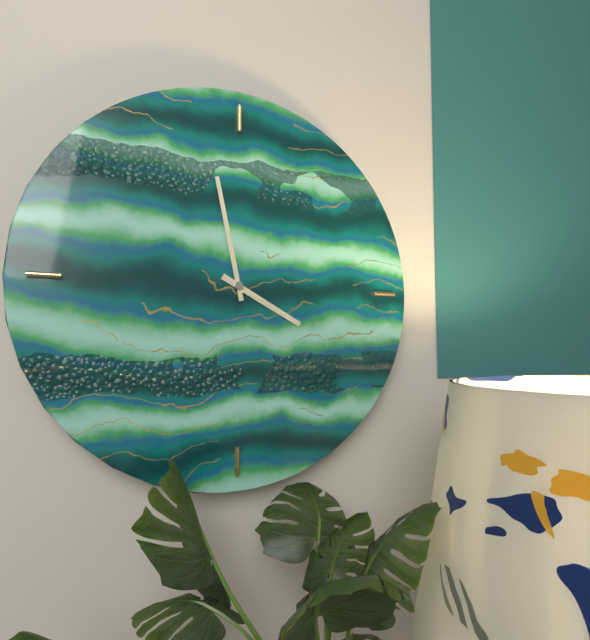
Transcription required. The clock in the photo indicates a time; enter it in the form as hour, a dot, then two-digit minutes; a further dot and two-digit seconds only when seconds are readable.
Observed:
3.58
